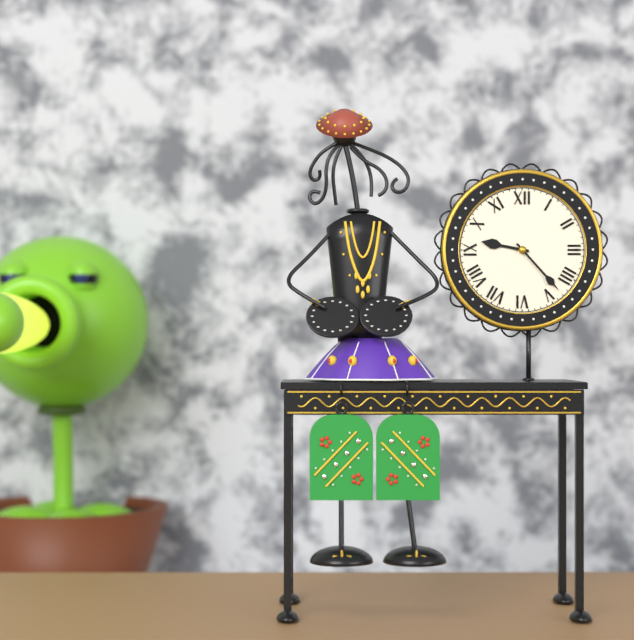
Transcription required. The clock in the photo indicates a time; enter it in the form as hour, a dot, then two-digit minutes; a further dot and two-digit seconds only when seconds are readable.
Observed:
9.23
